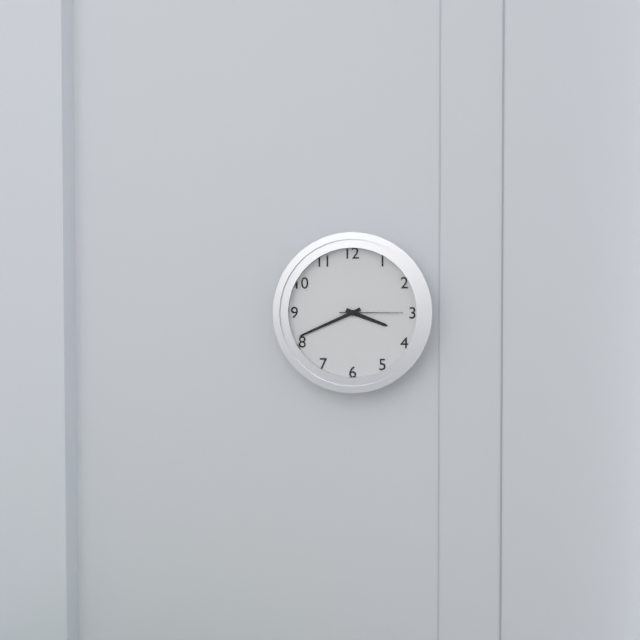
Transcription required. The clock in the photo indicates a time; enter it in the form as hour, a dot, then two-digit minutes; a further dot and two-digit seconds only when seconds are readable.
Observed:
3.41.15
